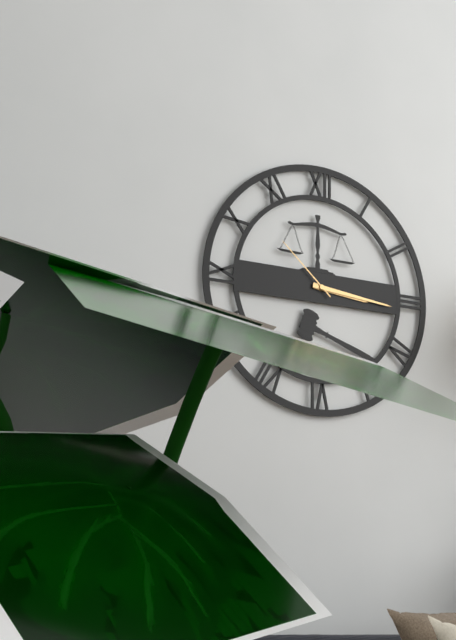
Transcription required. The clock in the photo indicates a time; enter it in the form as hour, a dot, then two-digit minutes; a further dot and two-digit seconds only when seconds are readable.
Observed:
3.16.52
